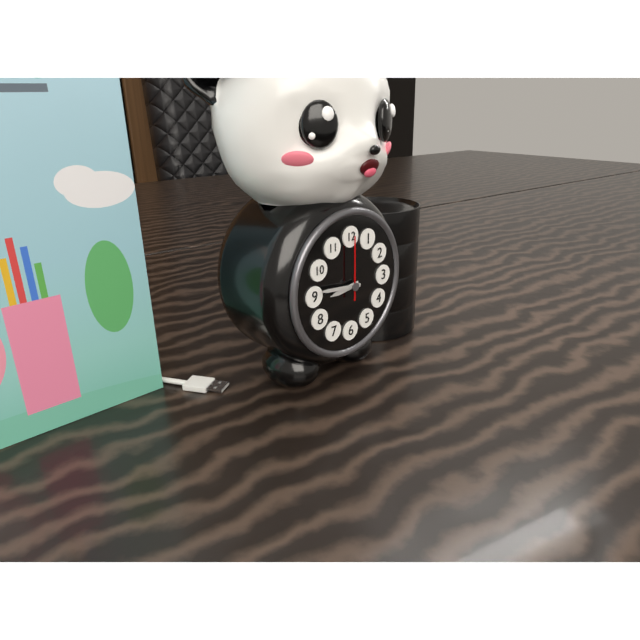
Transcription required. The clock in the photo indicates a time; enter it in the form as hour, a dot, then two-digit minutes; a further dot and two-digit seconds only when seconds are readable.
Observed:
8.46.00
